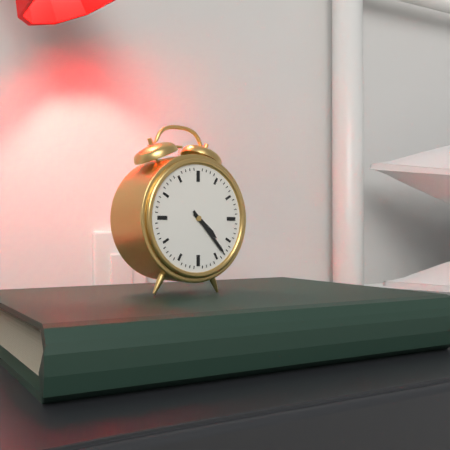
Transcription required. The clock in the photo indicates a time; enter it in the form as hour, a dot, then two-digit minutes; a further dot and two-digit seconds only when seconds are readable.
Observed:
4.23
